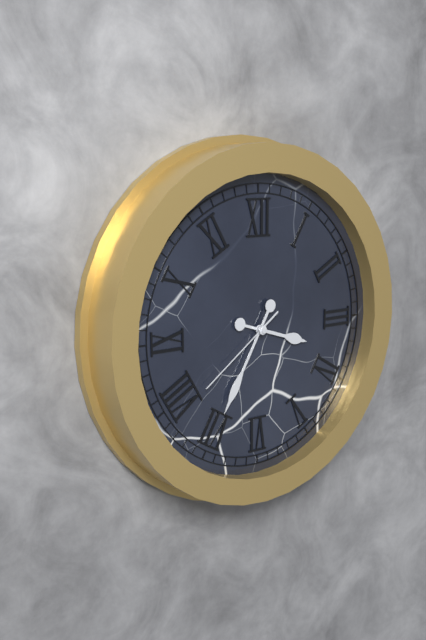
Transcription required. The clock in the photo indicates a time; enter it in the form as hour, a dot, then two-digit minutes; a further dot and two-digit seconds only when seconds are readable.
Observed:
3.35.39
